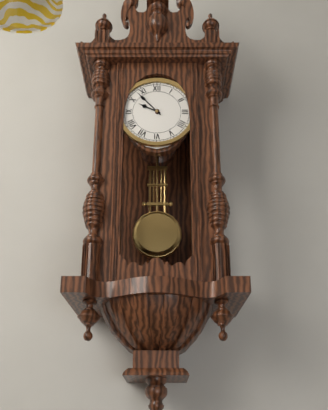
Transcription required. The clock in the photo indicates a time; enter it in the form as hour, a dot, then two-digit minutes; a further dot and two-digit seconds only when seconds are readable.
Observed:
9.53
